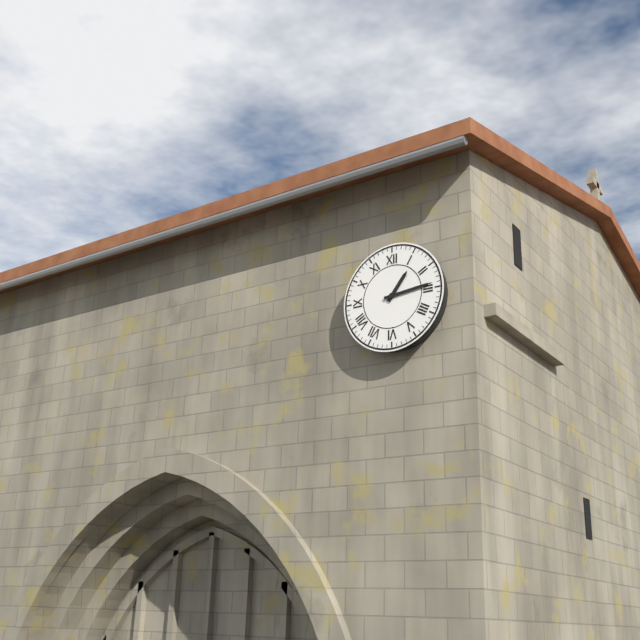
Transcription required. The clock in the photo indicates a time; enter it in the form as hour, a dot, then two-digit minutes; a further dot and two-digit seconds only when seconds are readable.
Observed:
1.14
